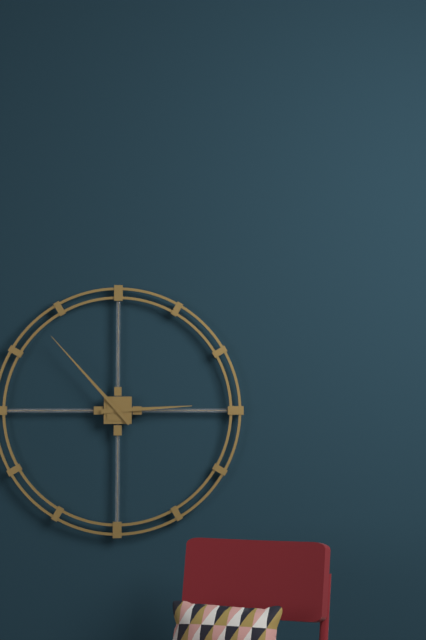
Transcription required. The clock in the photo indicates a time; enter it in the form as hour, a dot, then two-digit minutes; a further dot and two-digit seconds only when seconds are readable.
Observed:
2.53
